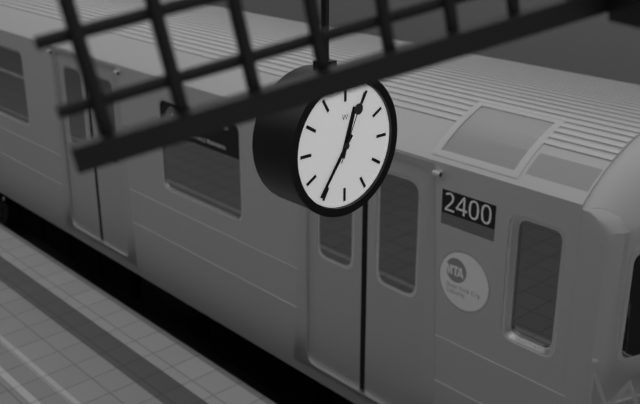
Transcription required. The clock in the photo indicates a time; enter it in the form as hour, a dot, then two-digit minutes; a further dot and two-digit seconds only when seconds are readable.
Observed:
12.36.04
